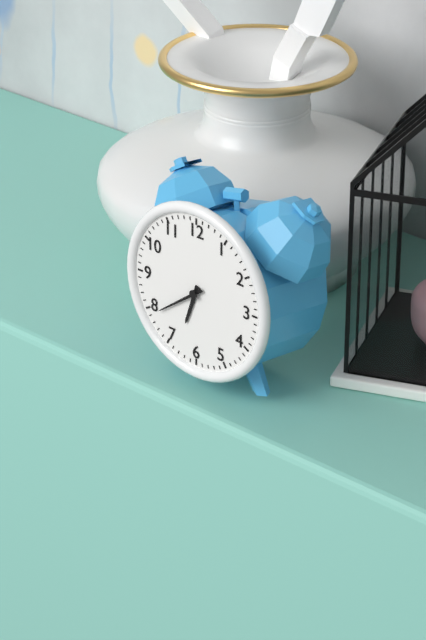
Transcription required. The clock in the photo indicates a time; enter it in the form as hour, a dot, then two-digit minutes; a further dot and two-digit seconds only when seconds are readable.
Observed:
6.39
